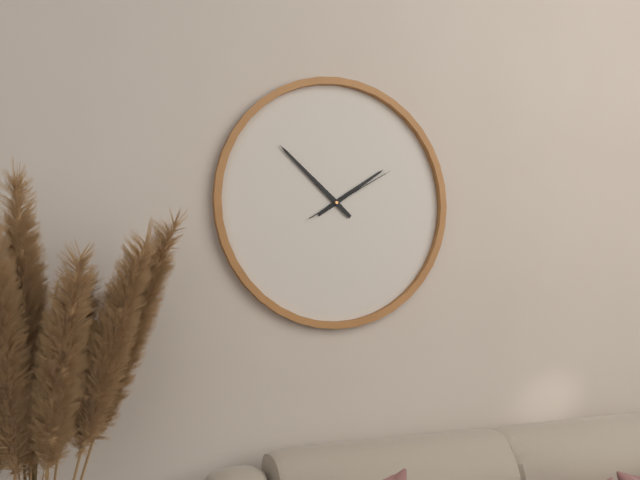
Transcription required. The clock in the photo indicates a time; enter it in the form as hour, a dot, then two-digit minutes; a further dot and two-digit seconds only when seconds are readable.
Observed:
1.52.10
